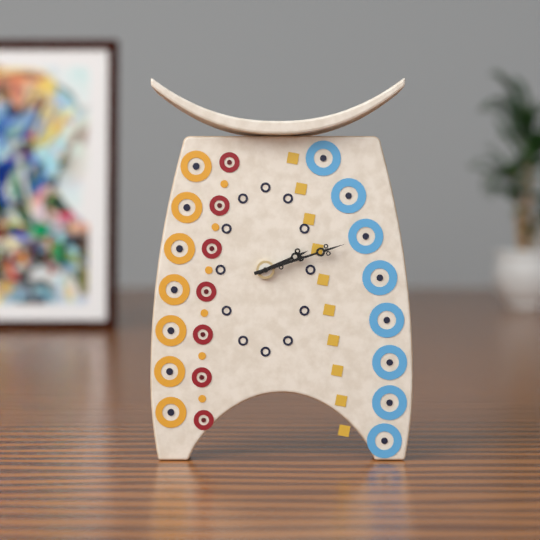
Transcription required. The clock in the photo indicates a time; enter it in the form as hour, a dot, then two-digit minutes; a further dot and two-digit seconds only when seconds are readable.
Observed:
2.12
